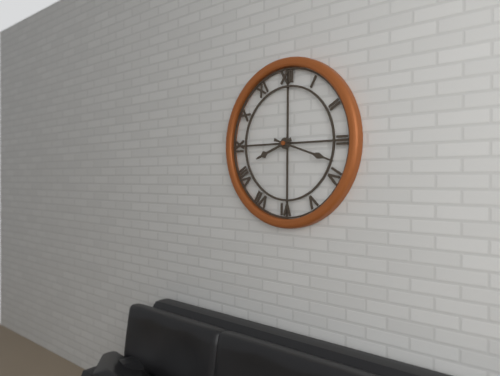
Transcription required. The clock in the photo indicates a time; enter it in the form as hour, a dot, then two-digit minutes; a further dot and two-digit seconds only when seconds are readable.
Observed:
8.18
